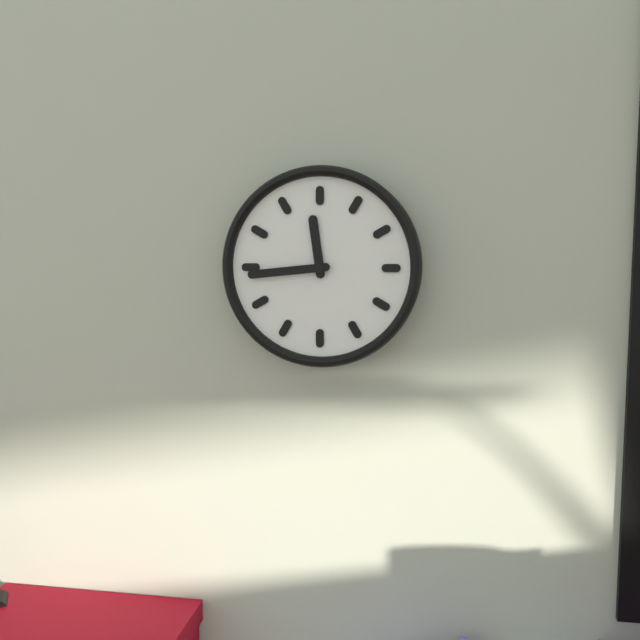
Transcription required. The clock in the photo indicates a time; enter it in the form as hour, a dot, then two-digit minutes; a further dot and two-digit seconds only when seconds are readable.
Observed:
11.44
